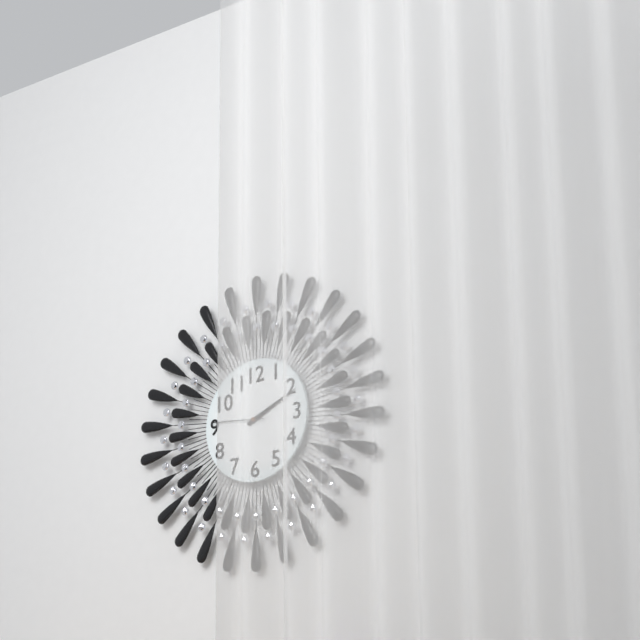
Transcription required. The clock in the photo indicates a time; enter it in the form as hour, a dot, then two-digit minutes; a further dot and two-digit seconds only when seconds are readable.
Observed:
2.11.46
